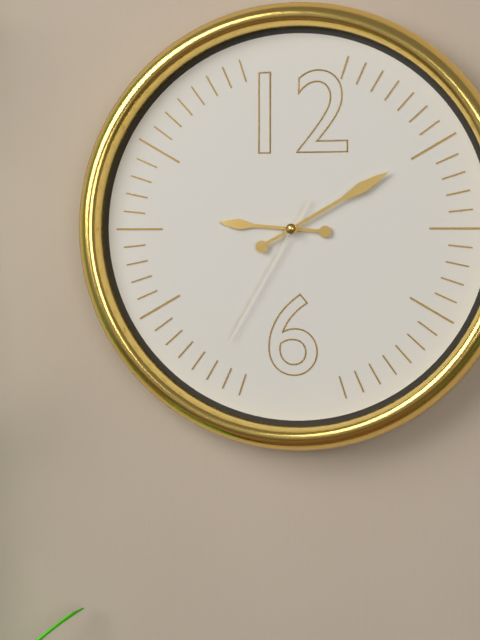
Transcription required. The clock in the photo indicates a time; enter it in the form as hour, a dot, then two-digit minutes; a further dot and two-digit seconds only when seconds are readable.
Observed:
9.10.35
